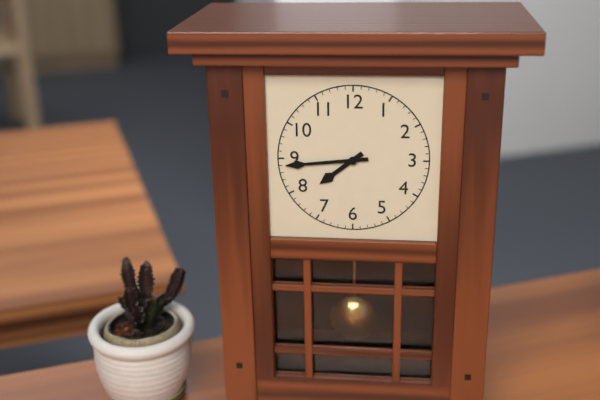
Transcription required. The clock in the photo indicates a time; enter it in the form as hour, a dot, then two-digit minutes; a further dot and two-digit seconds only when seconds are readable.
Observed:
7.44
